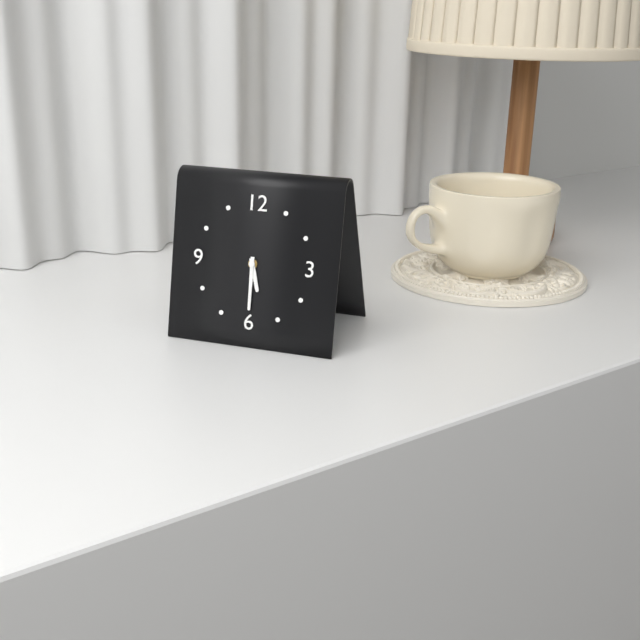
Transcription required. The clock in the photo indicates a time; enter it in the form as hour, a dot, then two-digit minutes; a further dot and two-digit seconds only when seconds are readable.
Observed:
5.30
